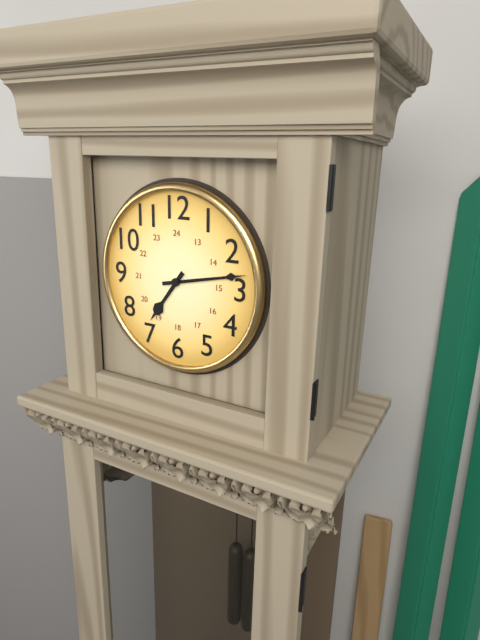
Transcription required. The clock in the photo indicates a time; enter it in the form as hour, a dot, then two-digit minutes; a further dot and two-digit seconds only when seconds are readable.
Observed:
7.13
